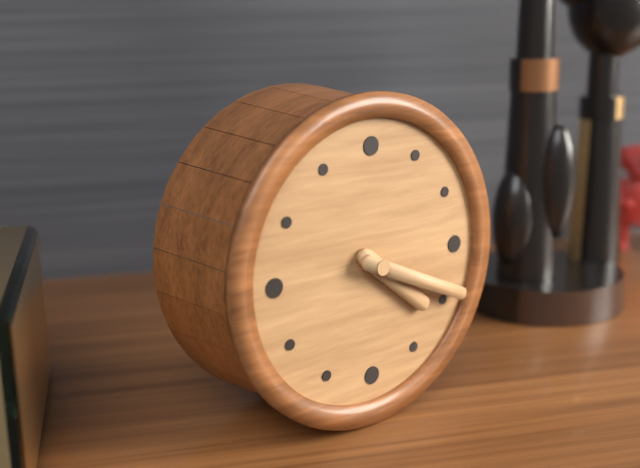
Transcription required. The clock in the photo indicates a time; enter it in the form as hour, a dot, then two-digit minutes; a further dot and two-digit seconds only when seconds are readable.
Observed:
4.19
